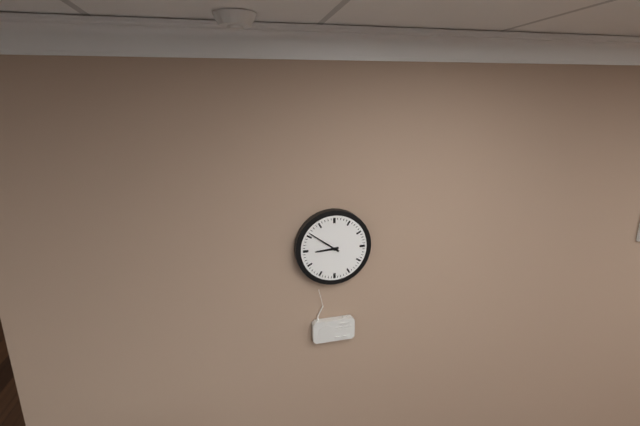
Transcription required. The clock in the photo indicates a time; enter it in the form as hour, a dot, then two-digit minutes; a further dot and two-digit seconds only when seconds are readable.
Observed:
8.51
